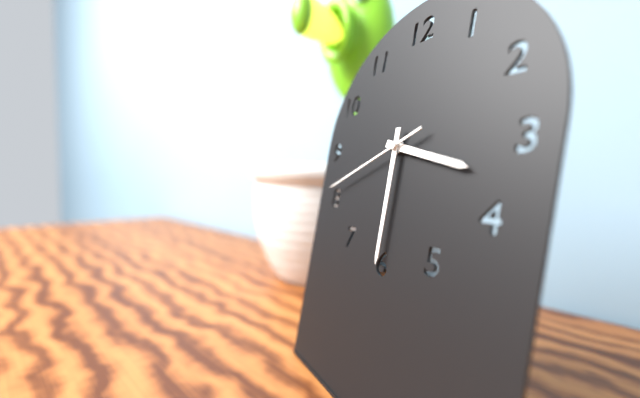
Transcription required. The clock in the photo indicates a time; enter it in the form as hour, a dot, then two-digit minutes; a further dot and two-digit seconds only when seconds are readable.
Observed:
3.30.41
